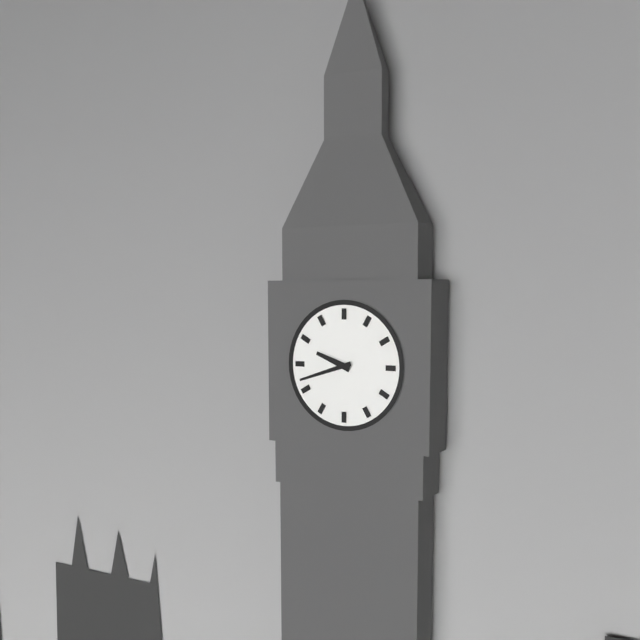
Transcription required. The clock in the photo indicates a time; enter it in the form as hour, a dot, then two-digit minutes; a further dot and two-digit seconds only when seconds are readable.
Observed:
9.42
